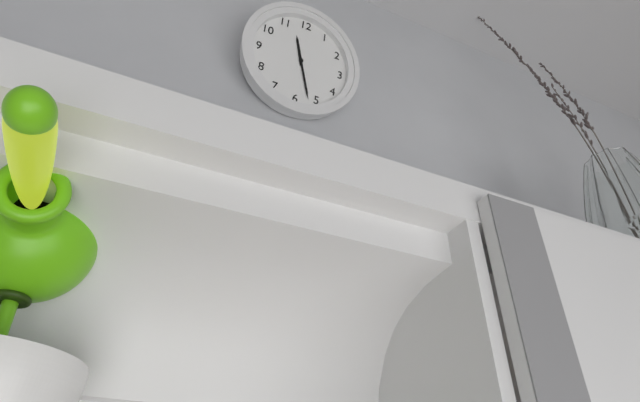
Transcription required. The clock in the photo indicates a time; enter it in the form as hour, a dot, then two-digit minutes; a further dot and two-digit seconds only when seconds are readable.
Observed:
11.27
